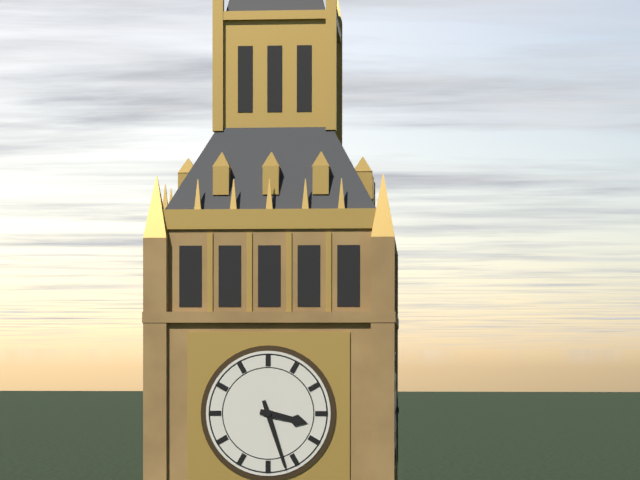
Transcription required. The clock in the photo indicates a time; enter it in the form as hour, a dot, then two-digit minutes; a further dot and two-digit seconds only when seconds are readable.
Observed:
3.27
